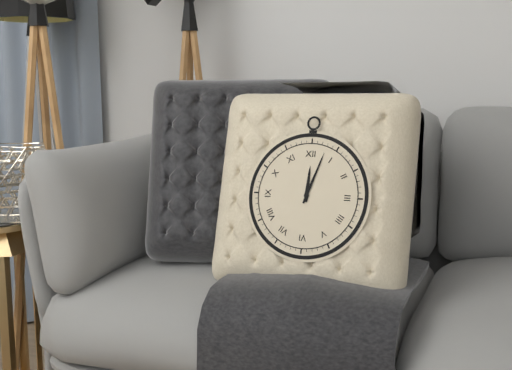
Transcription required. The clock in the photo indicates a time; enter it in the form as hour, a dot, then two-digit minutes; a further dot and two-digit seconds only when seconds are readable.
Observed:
12.03
